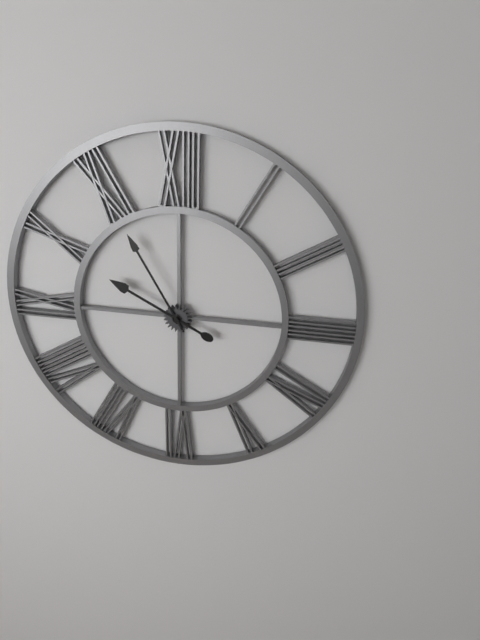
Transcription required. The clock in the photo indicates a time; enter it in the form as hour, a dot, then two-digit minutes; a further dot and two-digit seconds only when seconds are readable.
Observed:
9.55
